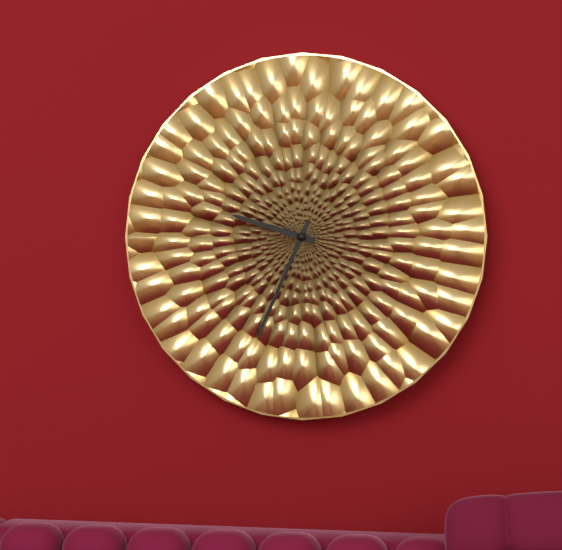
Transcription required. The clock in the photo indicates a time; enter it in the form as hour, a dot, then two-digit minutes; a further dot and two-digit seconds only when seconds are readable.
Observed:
9.34
